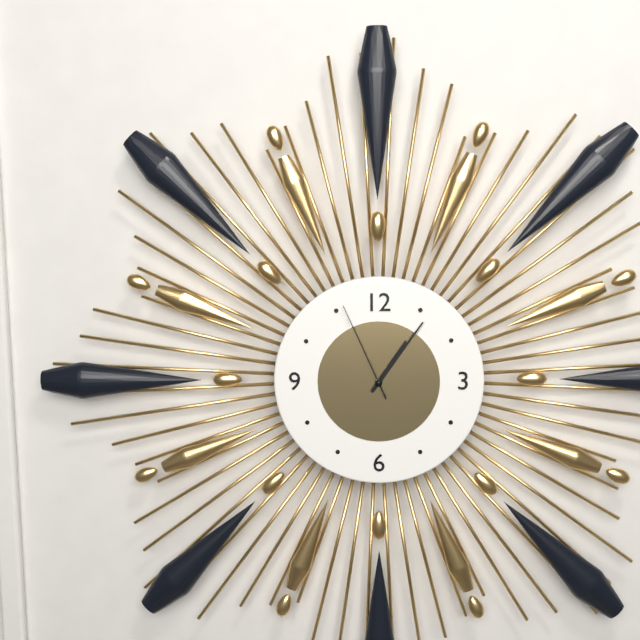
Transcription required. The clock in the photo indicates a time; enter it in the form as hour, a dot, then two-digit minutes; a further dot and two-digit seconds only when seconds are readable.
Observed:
1.06.56
